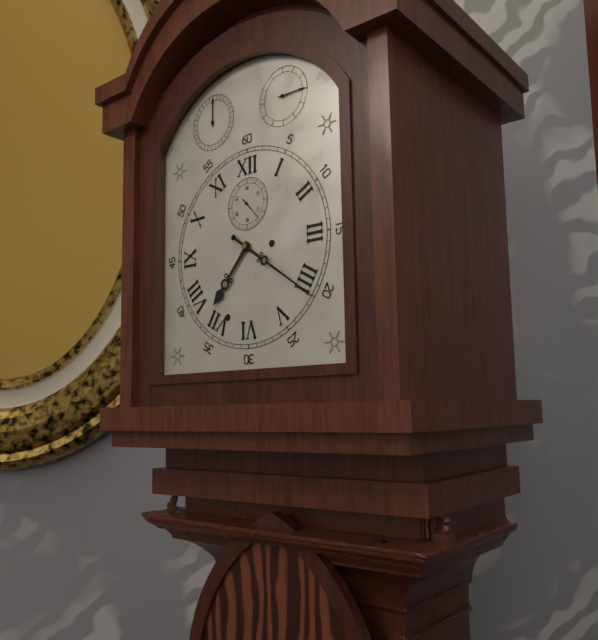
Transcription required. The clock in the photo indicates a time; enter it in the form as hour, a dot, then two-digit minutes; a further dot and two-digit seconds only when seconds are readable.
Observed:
7.21
